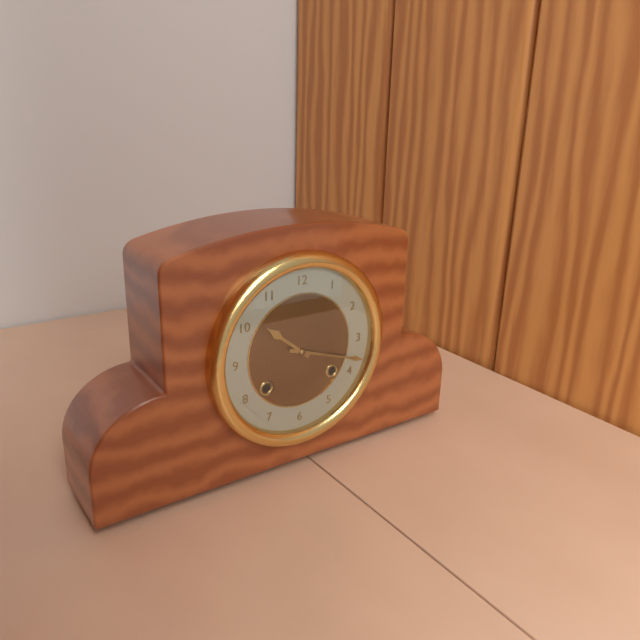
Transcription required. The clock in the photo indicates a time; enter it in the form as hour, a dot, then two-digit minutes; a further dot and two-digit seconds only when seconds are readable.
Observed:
10.18
